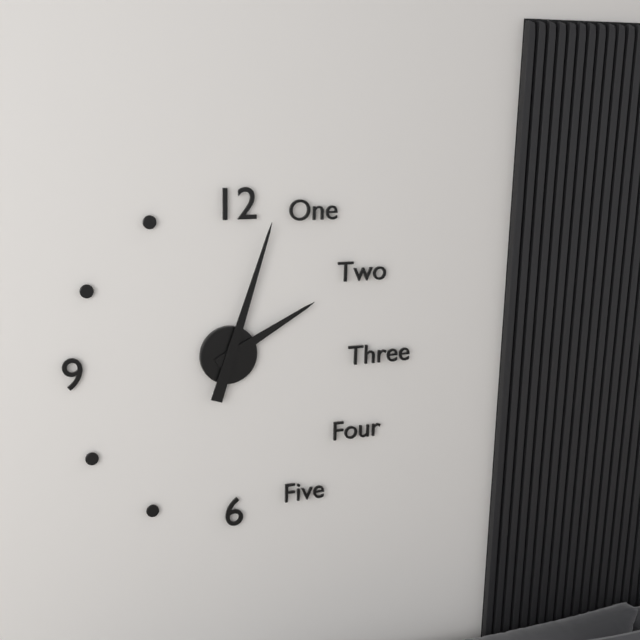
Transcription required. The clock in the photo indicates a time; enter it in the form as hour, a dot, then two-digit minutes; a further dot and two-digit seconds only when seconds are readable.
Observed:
2.03
